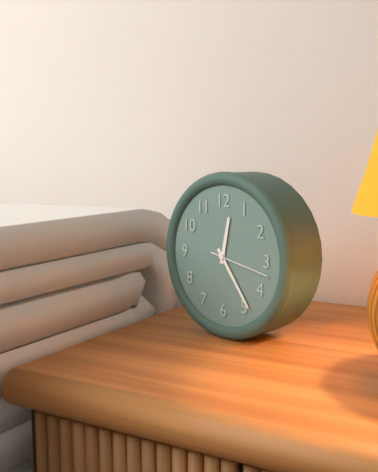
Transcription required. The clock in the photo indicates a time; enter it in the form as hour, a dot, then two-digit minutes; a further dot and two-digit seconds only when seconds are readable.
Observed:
12.24.17
